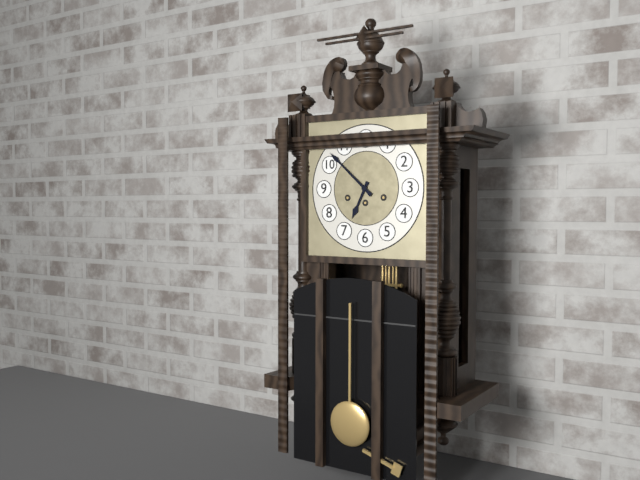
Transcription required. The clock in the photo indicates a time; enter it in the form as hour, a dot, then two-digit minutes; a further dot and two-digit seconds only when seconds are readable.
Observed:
6.52
